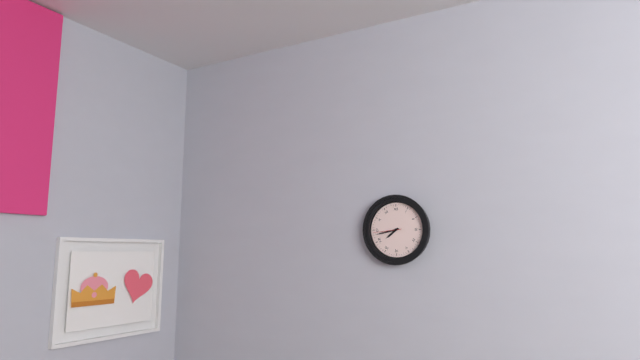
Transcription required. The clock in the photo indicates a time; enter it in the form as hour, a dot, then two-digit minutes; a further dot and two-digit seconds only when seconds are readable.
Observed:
7.43
